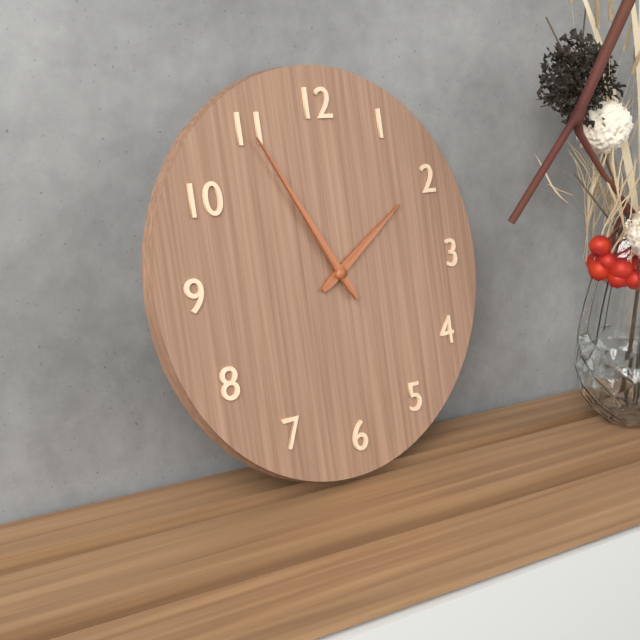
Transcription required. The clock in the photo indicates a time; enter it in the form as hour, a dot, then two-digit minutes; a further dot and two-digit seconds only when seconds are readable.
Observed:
1.55
